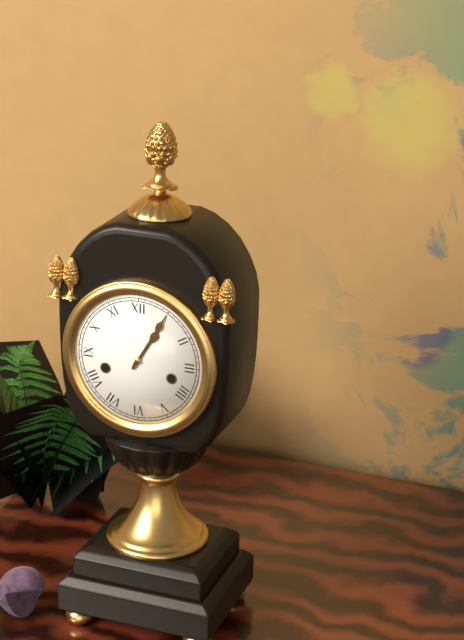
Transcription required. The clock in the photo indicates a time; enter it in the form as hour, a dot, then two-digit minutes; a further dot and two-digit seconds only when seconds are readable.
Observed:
1.05
